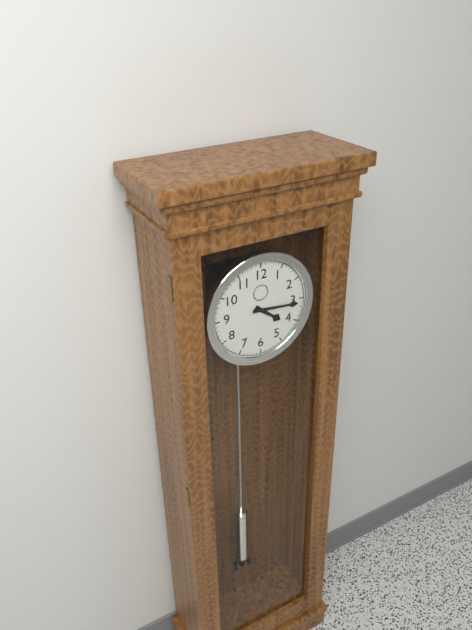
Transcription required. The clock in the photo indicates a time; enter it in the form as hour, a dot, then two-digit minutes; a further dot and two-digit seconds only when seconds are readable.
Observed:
4.16
